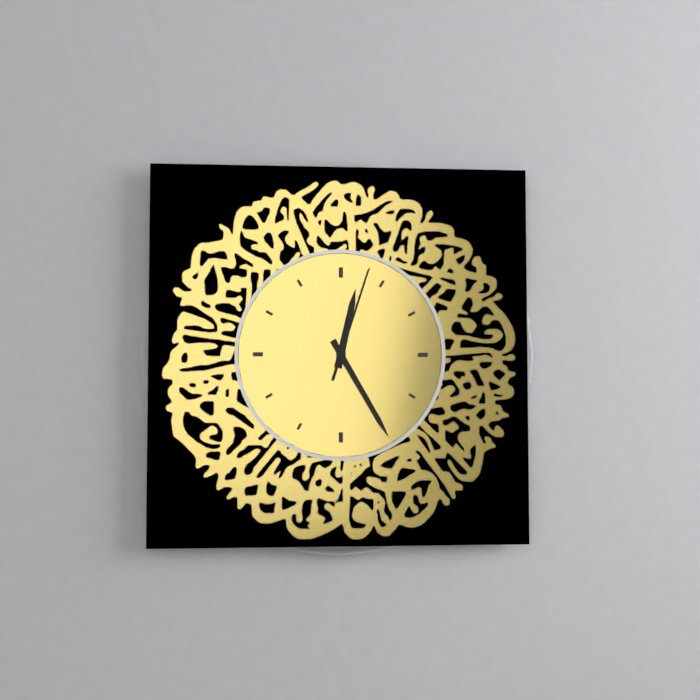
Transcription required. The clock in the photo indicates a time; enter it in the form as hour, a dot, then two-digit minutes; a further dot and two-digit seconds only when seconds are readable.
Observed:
12.25.03
